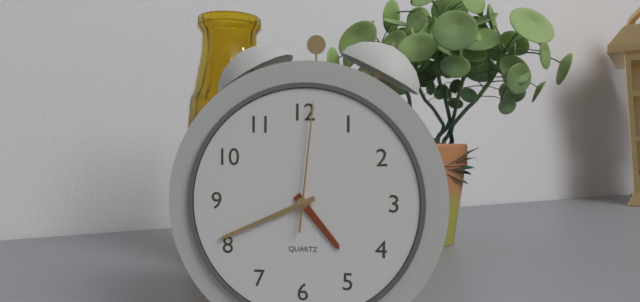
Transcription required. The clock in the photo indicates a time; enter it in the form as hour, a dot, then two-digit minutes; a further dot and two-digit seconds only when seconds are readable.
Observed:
4.41.01
